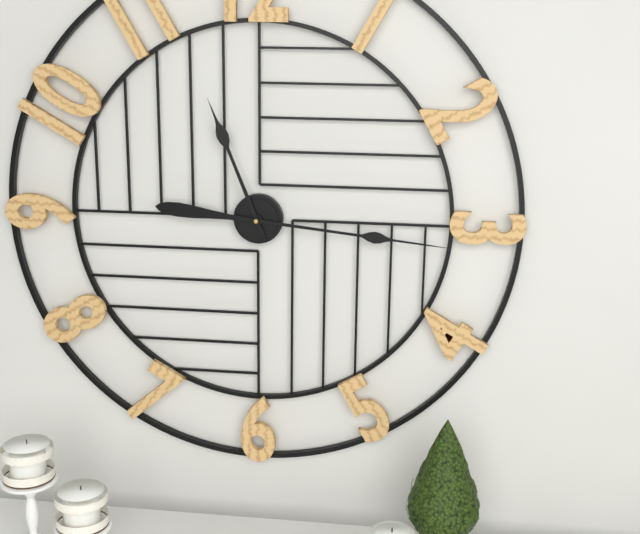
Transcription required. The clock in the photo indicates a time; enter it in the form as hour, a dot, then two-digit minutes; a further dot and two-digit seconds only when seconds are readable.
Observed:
11.16
